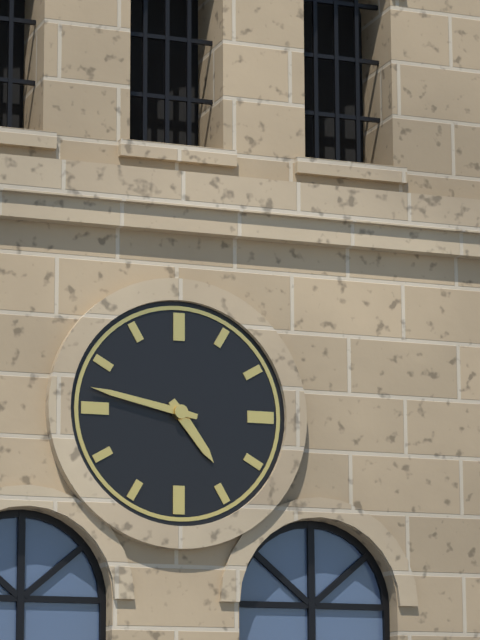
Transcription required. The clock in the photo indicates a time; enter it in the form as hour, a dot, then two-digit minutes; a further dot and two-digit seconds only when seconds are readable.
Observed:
4.47
